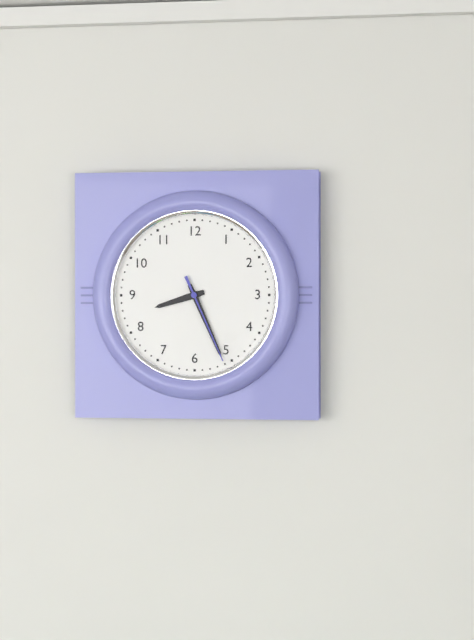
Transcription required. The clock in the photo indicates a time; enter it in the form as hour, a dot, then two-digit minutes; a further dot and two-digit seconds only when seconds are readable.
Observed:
8.26.26
